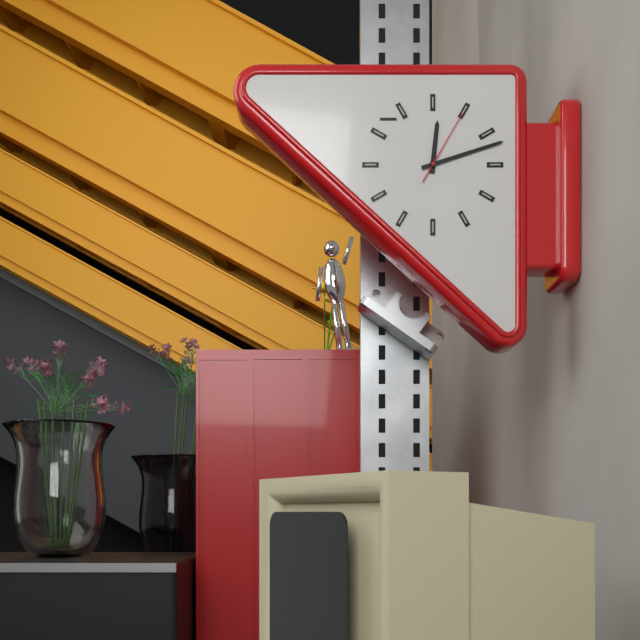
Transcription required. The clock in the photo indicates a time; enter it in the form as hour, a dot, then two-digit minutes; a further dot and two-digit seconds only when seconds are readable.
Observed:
12.12.05
